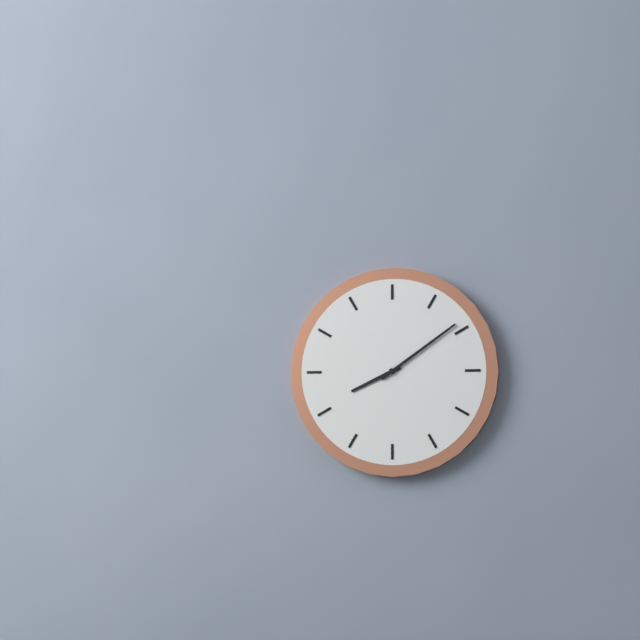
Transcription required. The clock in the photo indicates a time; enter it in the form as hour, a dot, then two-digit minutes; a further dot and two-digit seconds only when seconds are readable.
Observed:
8.09
